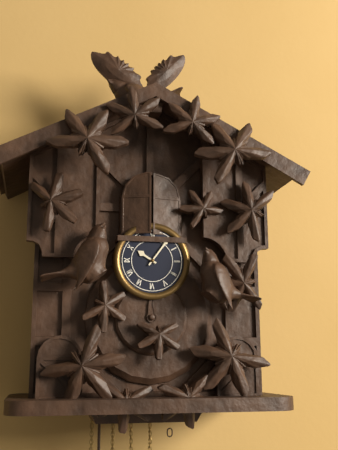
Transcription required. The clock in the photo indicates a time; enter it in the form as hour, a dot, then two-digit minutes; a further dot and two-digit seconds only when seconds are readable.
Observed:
10.06
